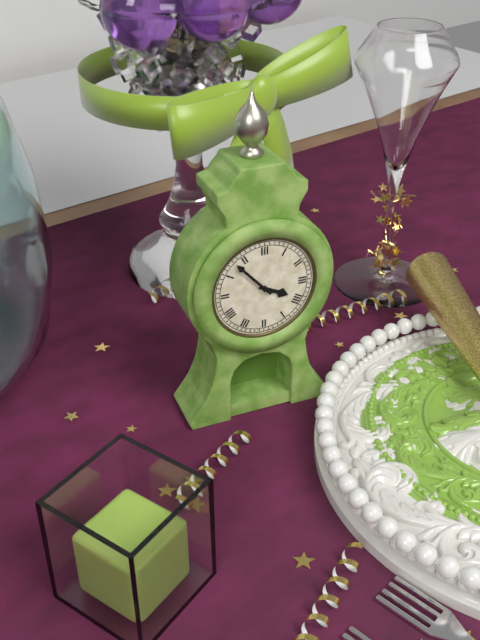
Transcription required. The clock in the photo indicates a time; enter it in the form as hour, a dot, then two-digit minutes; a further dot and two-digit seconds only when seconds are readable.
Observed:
3.53
